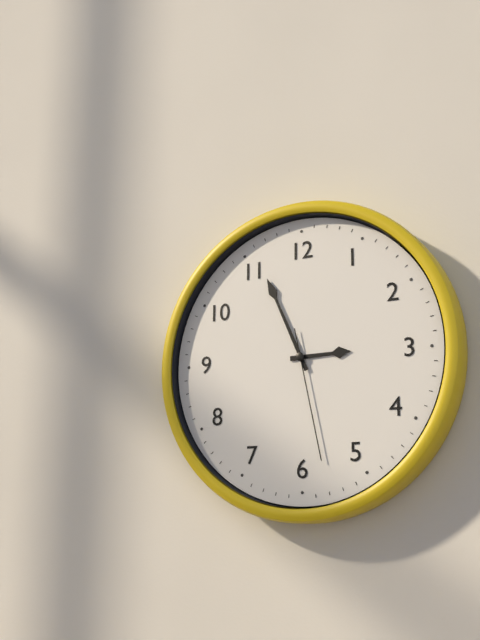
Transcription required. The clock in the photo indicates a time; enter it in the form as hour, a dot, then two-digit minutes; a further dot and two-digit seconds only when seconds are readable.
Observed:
2.56.28
